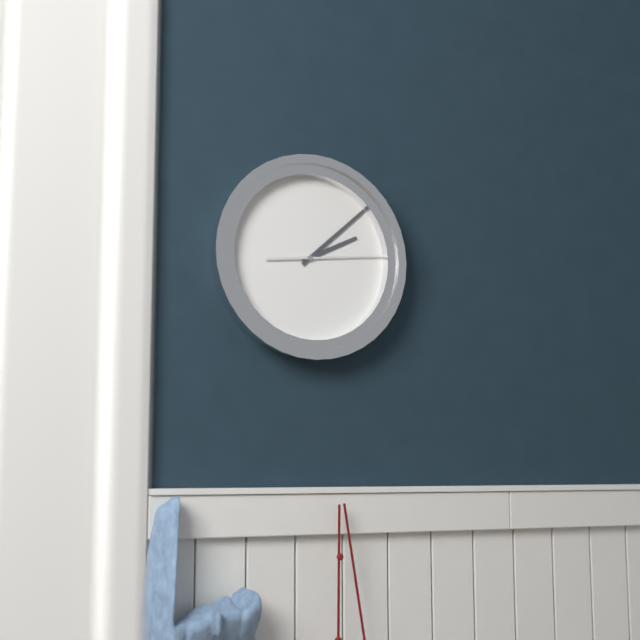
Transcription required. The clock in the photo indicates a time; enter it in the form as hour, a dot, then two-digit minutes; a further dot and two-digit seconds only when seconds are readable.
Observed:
2.08.14
